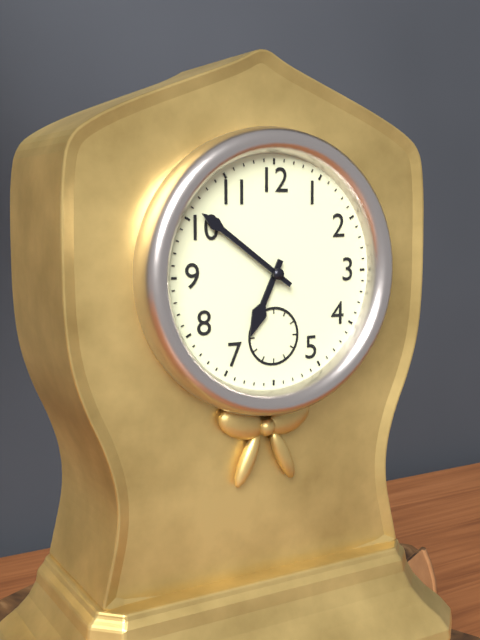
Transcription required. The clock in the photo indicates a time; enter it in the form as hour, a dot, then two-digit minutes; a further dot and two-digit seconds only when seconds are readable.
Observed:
6.51
